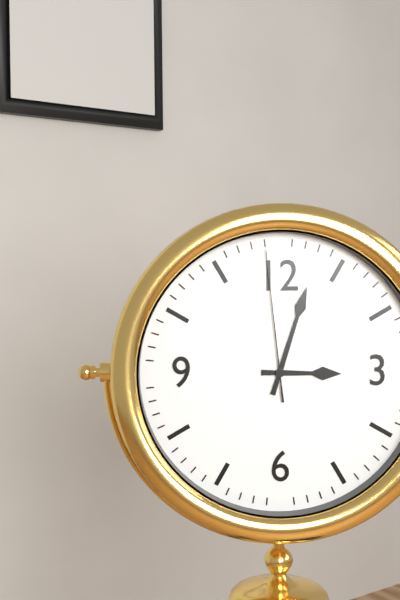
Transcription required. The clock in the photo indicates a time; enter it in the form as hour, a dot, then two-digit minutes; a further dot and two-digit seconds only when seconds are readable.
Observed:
3.03.59
